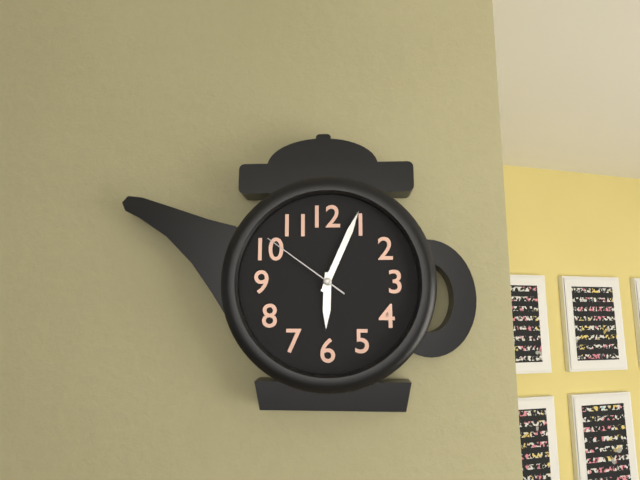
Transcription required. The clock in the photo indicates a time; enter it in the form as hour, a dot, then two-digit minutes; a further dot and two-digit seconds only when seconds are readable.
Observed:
6.04.51
